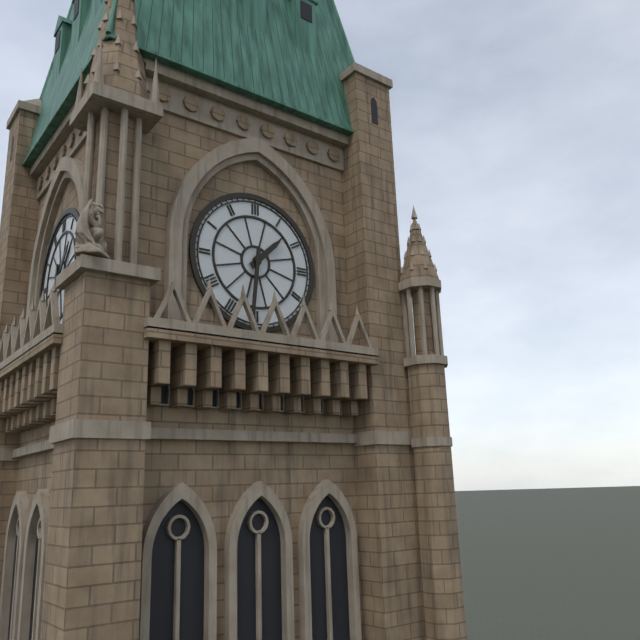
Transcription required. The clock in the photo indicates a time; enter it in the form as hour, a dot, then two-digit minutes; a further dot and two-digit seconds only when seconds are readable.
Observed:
1.31
